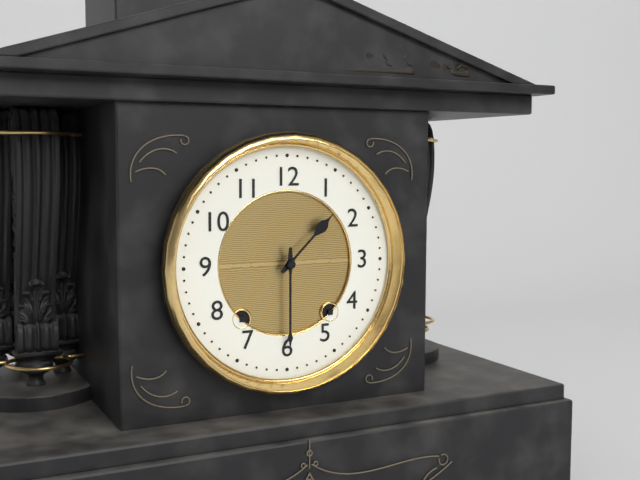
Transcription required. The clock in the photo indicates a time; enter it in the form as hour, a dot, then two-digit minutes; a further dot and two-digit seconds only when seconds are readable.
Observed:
1.30
